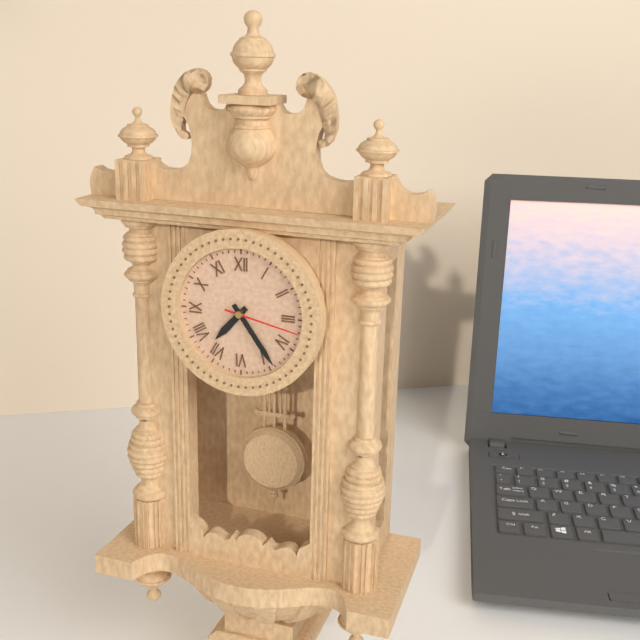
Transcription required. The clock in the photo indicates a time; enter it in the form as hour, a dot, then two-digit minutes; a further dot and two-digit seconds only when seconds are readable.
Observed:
7.24.17
